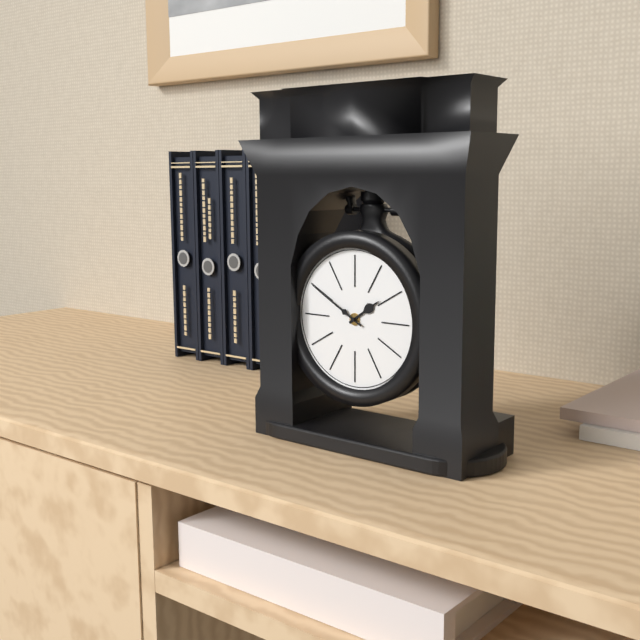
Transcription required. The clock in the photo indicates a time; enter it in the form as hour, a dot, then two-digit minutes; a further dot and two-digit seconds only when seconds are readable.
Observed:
1.50
